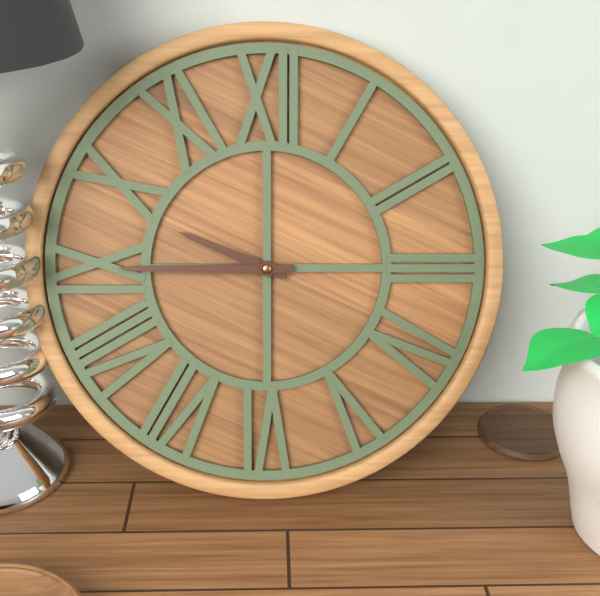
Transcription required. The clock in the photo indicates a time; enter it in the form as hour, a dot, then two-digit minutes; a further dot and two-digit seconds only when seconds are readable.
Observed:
9.45
